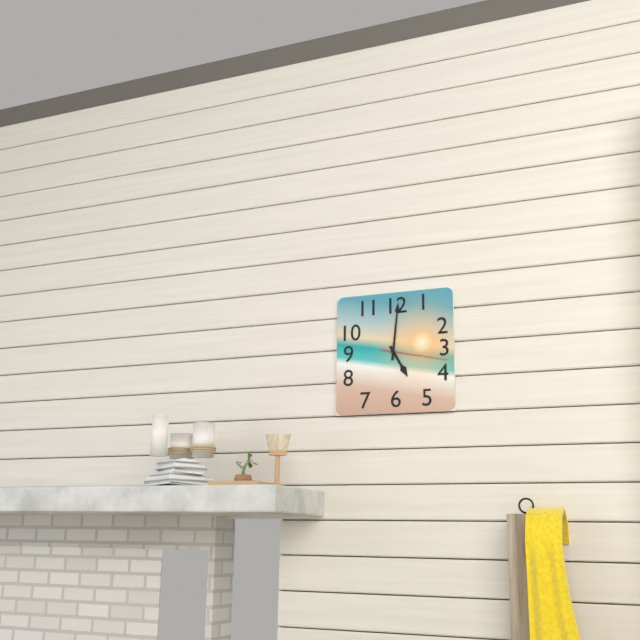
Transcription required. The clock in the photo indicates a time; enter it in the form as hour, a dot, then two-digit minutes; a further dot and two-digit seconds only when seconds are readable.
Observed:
5.01.17
